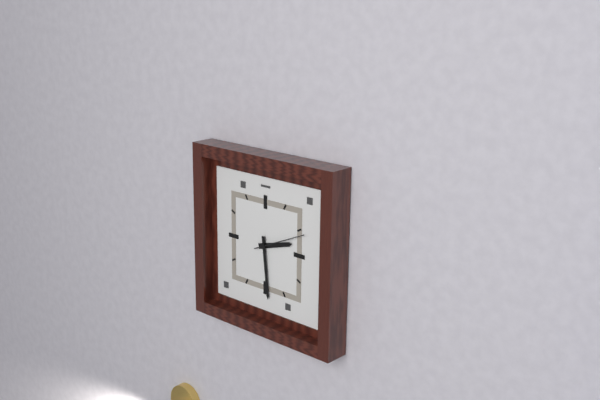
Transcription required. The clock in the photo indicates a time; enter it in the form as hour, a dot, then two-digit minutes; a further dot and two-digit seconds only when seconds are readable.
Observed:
2.29.11
